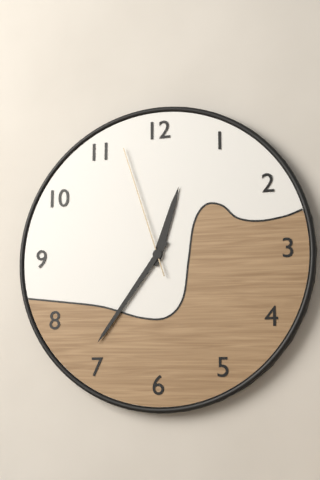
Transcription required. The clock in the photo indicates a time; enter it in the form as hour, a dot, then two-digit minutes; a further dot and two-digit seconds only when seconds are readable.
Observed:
12.36.57
